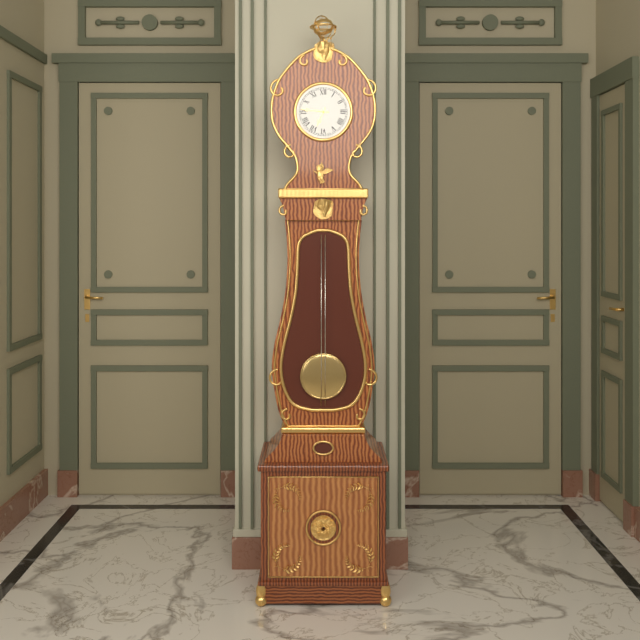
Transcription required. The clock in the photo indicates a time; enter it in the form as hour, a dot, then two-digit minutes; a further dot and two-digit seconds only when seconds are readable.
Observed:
6.46
